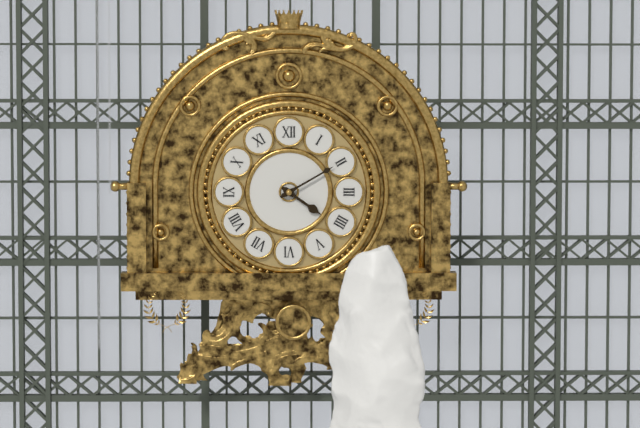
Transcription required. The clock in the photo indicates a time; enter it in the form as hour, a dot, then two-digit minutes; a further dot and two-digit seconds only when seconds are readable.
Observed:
4.10
